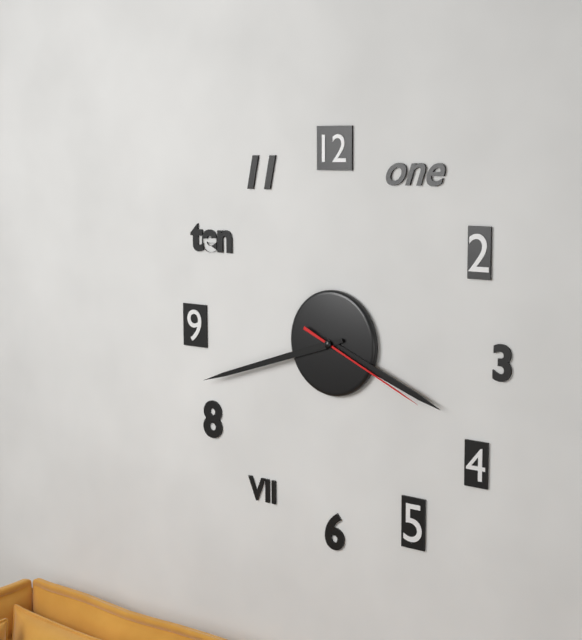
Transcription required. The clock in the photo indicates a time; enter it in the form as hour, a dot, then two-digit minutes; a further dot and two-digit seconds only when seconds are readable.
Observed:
3.42.19
